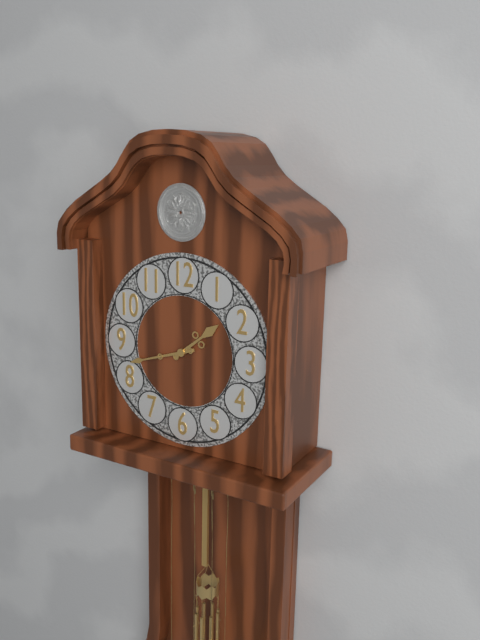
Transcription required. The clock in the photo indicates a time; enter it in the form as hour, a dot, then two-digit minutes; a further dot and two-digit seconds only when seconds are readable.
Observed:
1.42
